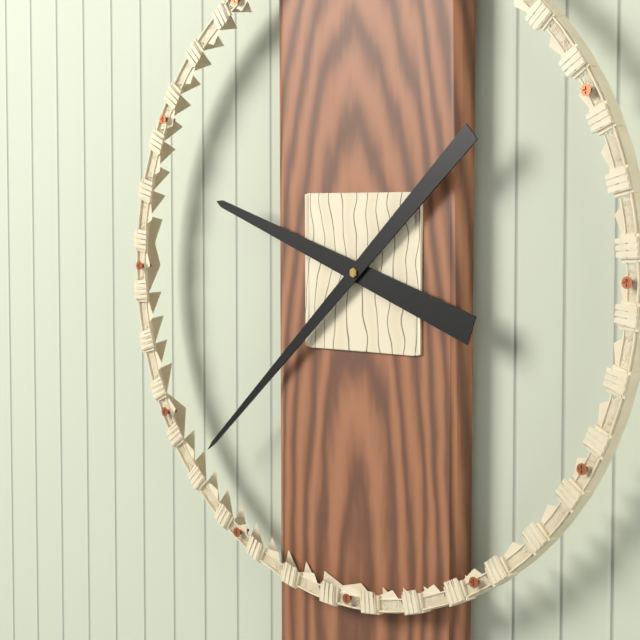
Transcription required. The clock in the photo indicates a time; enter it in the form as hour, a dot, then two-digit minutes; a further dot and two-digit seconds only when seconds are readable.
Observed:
9.38
